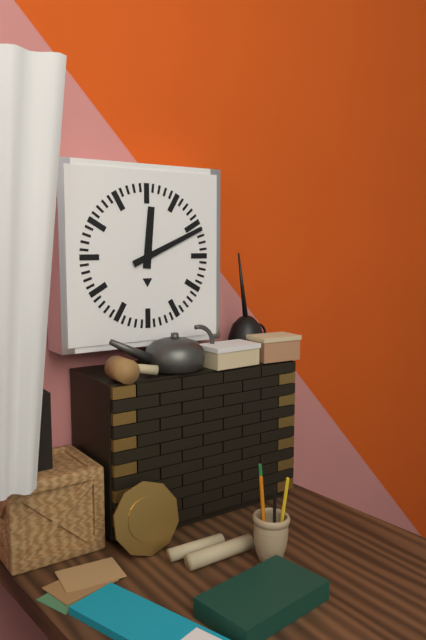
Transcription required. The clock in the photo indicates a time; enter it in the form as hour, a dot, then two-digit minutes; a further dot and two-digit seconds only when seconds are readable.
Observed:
12.11
